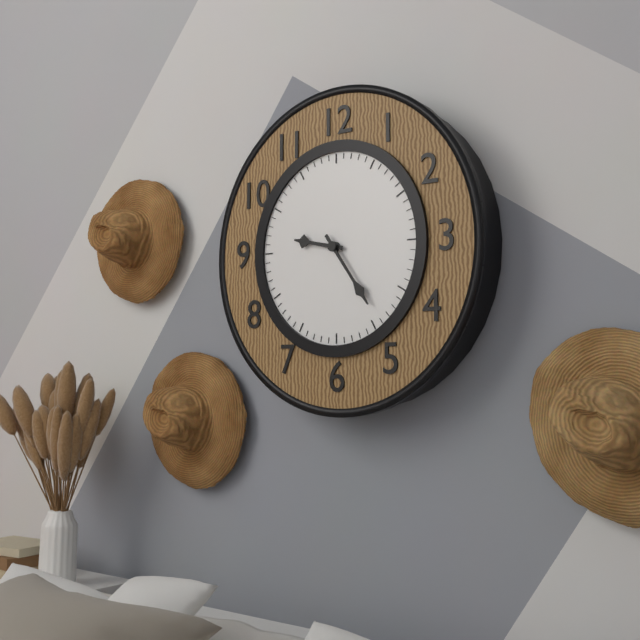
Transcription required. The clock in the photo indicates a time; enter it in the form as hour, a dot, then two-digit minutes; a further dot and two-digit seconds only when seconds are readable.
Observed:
9.24
